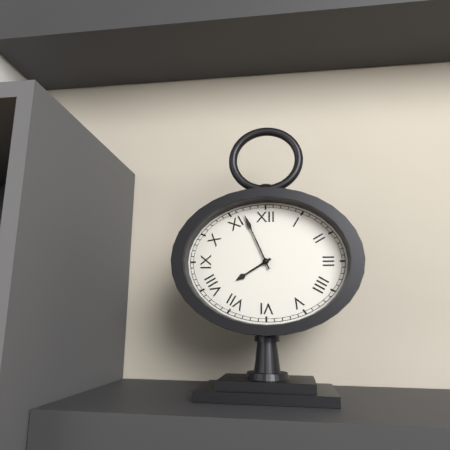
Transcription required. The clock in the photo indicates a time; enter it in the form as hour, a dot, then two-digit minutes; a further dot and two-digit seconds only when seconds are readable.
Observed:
7.56
